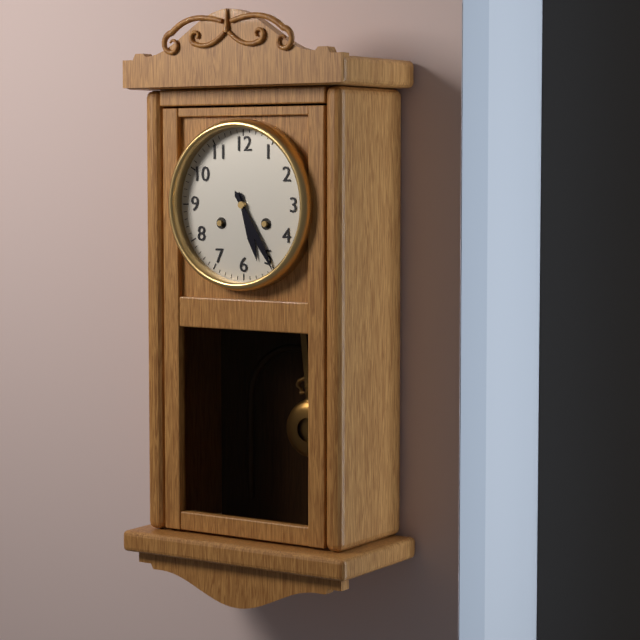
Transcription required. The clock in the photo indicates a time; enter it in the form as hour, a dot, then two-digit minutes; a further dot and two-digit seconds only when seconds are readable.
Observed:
5.25
